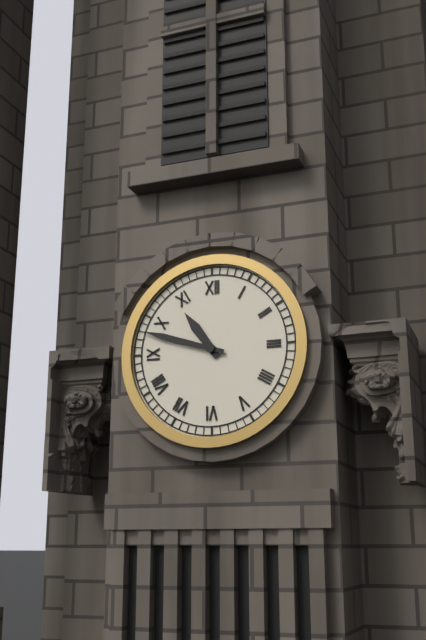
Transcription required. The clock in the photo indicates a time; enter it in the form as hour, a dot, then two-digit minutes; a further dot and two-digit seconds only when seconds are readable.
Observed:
10.48
